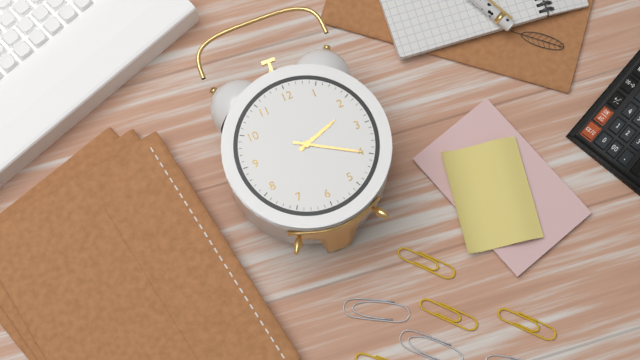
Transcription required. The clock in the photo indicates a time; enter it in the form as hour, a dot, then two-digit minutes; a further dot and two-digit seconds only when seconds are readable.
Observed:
2.20
